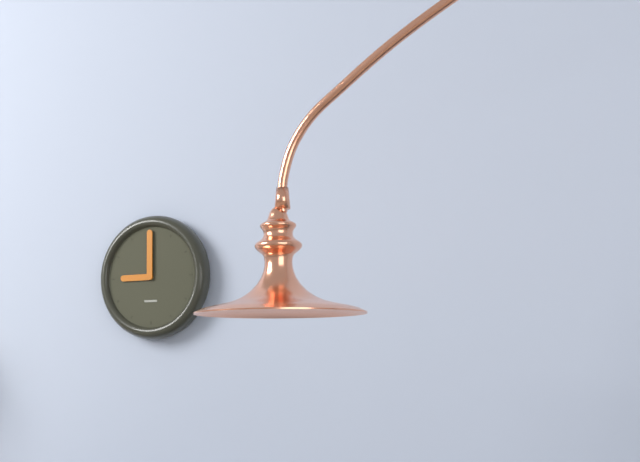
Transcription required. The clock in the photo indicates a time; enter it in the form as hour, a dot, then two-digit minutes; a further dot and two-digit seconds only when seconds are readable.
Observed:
9.00
